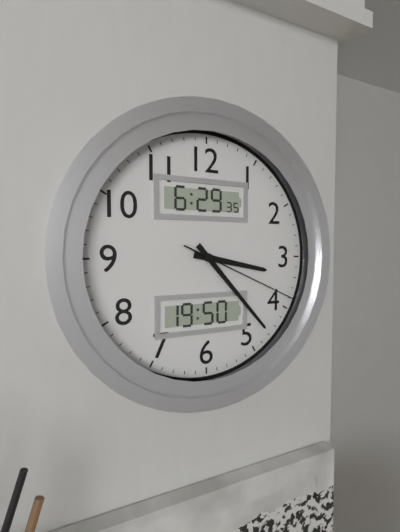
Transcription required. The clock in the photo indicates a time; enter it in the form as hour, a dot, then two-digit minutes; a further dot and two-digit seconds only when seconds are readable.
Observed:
3.23.19
